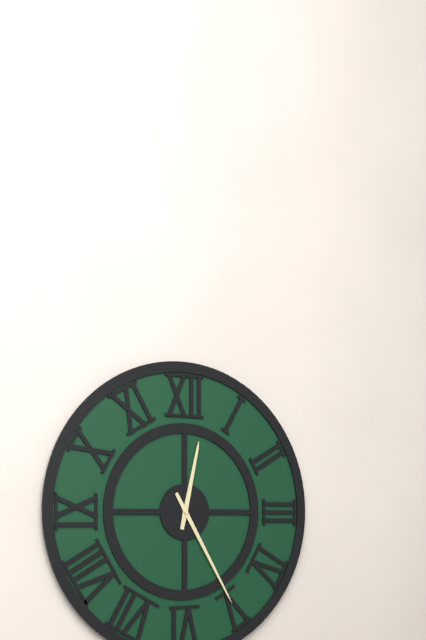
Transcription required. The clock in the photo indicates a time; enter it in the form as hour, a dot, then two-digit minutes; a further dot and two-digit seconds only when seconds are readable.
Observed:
12.25
